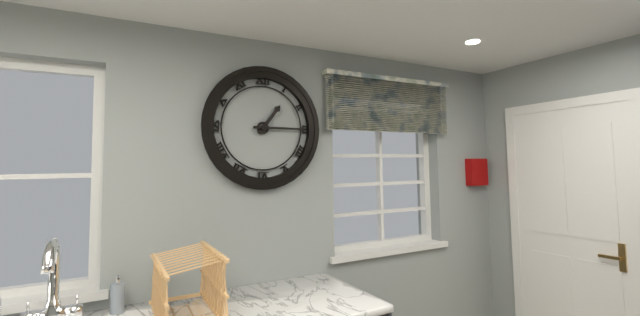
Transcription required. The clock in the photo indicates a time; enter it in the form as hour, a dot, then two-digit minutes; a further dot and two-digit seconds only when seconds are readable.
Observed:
1.15
